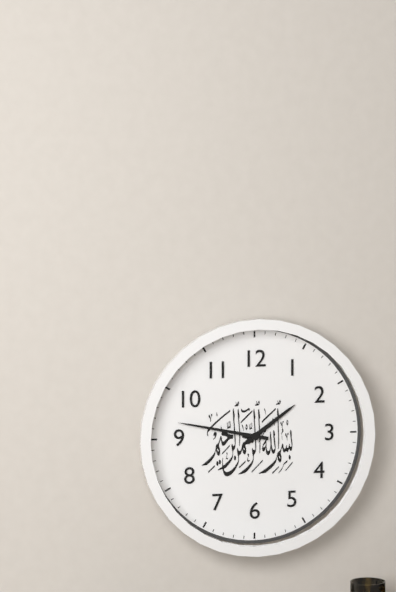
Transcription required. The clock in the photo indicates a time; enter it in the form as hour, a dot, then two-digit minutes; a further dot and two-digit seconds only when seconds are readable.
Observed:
1.47
